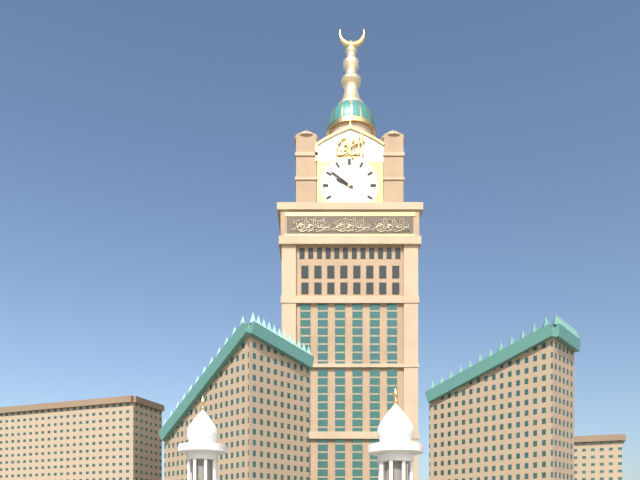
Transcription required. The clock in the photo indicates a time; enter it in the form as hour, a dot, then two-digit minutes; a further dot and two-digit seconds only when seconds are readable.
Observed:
9.51
